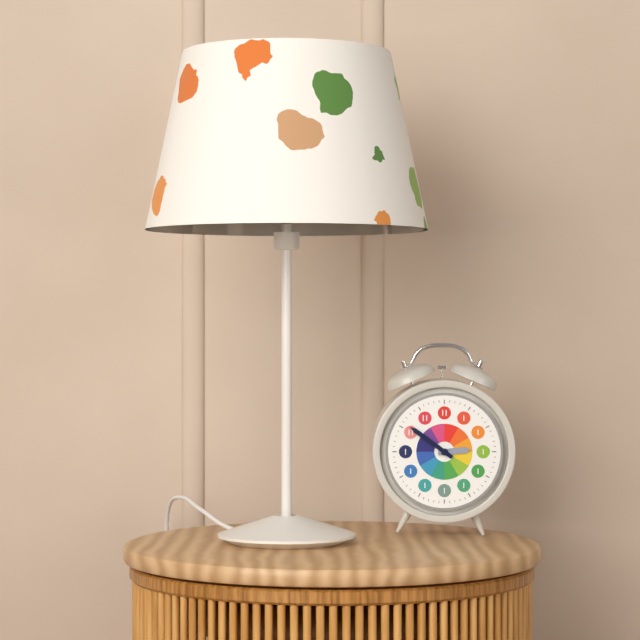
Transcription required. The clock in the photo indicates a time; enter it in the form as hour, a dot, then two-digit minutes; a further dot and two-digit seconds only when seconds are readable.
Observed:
2.51
